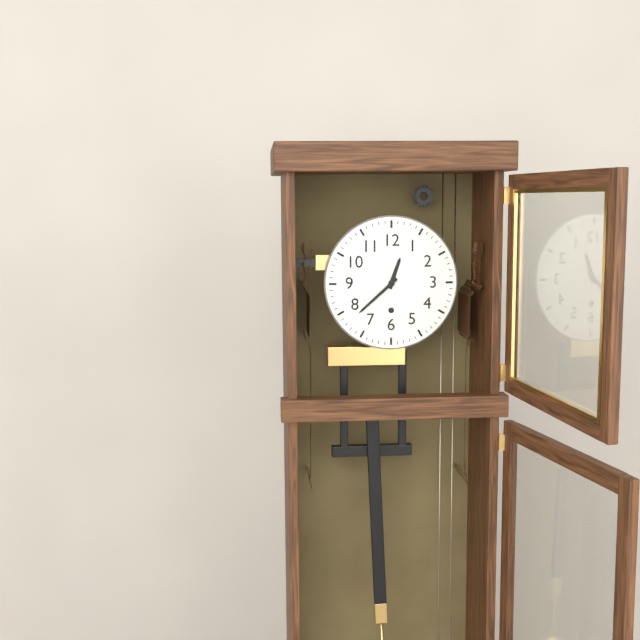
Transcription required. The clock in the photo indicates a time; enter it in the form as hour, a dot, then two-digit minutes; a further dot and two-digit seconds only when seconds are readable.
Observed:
12.38
